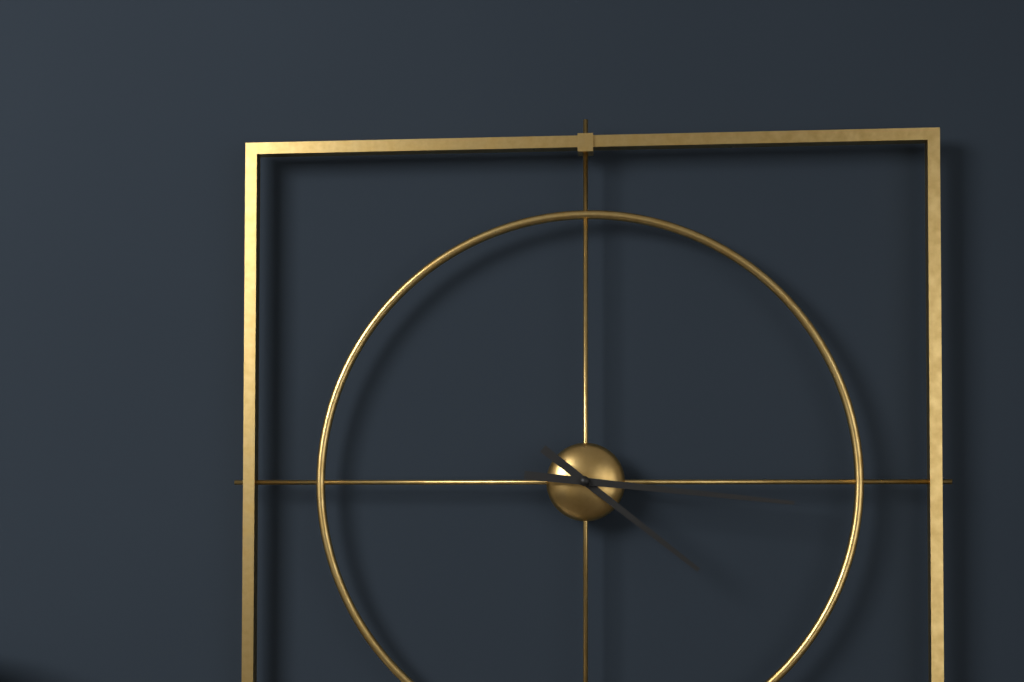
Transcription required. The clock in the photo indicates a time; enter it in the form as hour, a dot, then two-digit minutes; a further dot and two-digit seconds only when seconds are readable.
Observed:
4.16
